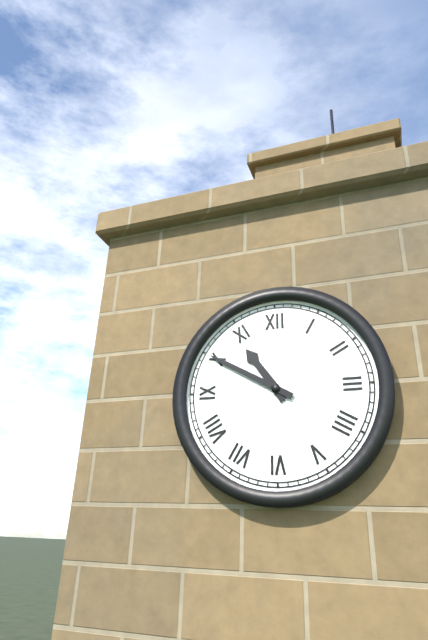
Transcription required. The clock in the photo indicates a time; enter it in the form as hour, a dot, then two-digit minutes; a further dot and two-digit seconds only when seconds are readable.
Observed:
10.50
